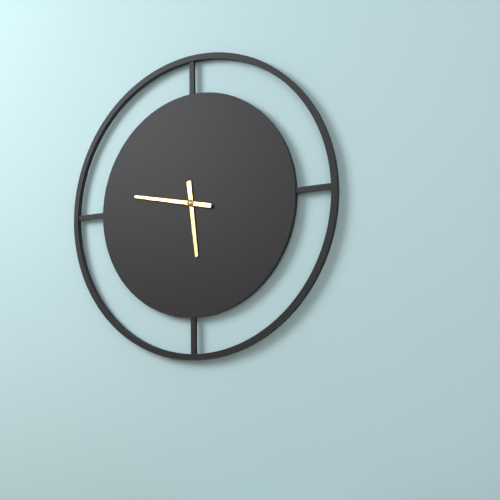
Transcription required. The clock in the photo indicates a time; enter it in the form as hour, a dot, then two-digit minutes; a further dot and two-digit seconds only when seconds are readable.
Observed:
5.47
